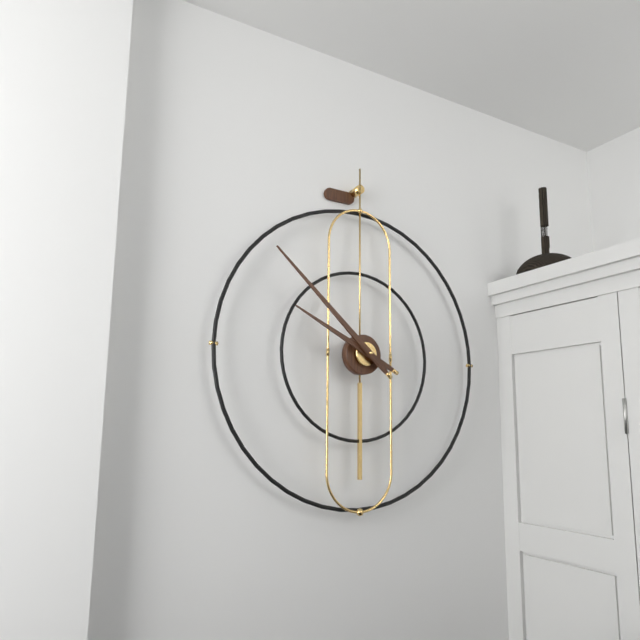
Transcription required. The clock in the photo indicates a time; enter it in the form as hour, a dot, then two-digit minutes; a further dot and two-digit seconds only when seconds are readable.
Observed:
9.52
